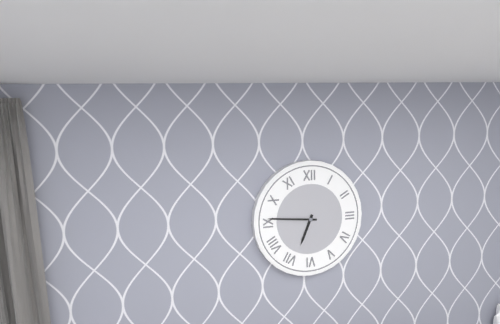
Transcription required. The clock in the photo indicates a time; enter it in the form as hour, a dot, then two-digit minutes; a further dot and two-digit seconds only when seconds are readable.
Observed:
6.46
